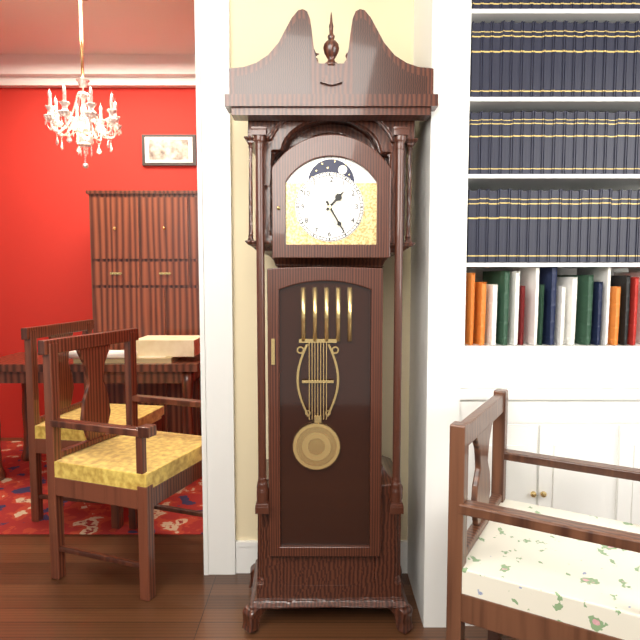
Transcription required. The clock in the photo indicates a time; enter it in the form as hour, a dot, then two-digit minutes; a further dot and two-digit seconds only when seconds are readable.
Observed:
1.25
